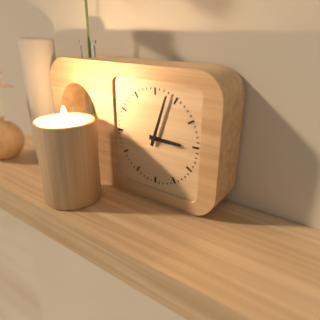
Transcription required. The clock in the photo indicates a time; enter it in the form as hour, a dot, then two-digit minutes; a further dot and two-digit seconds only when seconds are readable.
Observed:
3.03
